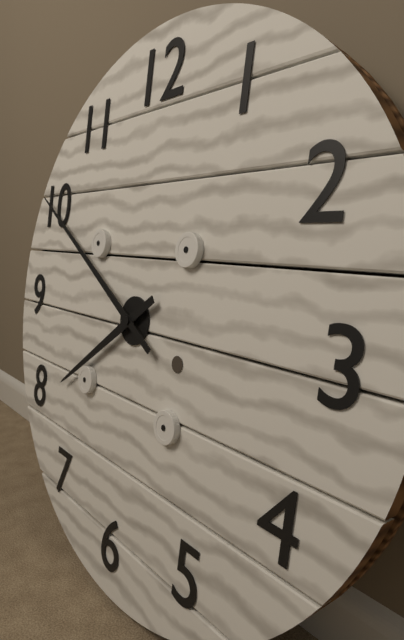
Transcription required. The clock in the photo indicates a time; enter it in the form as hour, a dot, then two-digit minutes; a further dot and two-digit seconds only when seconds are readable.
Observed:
7.50
